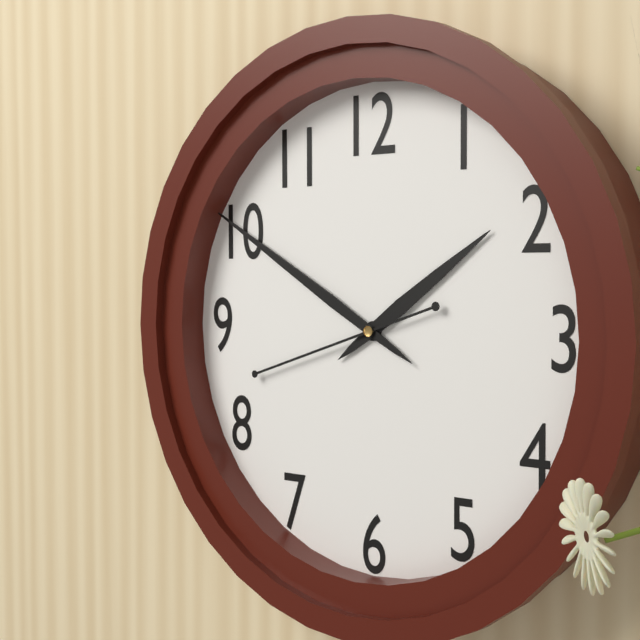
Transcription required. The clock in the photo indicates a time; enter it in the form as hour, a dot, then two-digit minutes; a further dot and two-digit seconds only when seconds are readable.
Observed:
1.50.42
